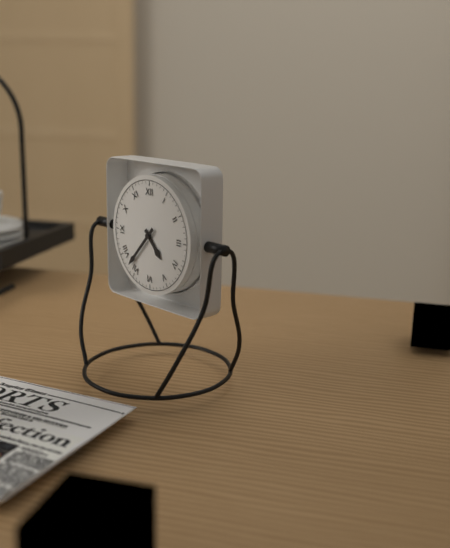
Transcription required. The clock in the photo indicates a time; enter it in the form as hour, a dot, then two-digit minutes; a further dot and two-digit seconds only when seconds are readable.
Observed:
4.37
